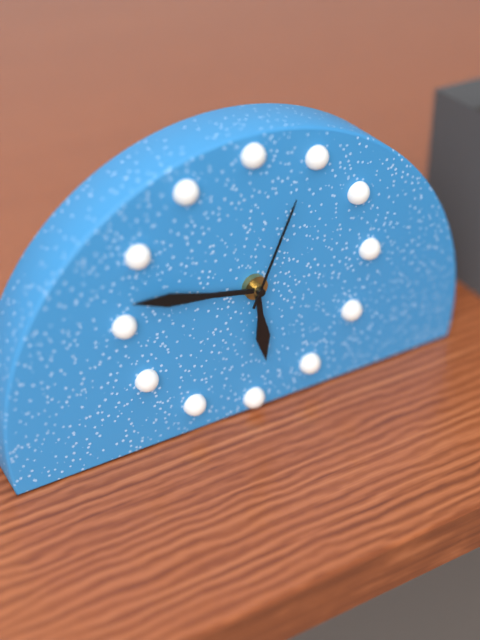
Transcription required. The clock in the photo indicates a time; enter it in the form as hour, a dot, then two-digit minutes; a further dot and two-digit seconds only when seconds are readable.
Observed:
5.47.04
